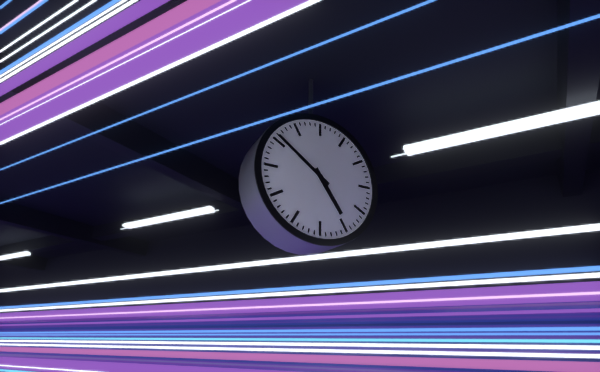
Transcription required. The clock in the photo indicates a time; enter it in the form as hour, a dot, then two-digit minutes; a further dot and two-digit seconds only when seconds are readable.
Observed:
4.51
